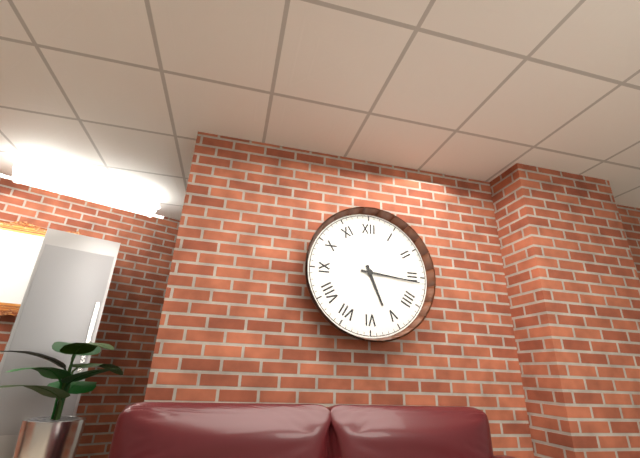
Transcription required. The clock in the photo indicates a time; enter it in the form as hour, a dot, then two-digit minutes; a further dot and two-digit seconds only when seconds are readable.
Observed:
5.16
